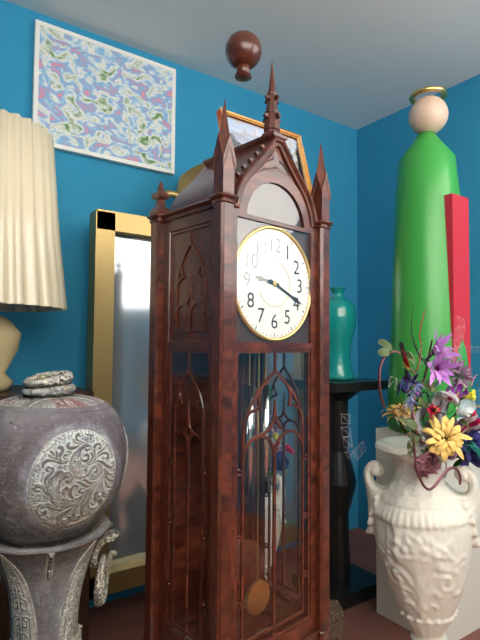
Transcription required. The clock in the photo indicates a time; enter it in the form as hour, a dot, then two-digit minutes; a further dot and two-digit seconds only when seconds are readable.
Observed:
9.19
